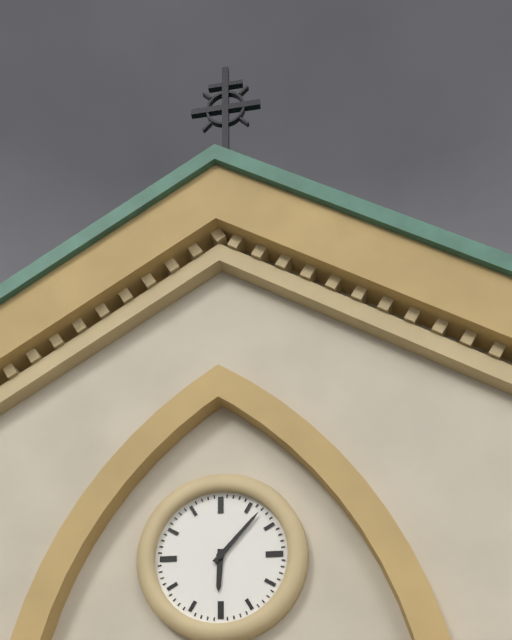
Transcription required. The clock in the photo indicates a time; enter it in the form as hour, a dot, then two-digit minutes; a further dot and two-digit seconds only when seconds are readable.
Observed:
6.07
